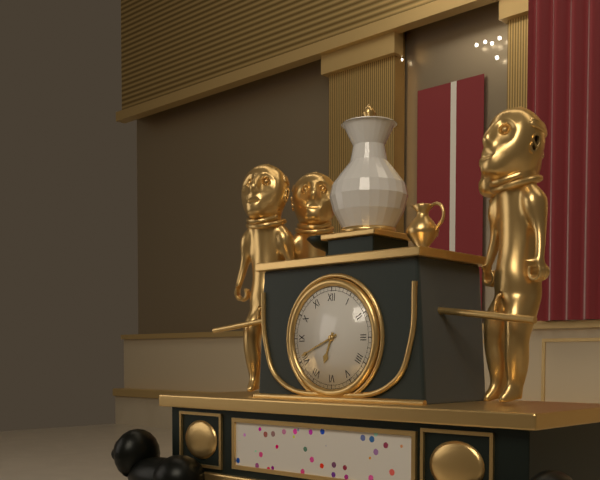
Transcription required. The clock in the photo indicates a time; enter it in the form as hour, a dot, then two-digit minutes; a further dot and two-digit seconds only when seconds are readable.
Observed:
6.41
